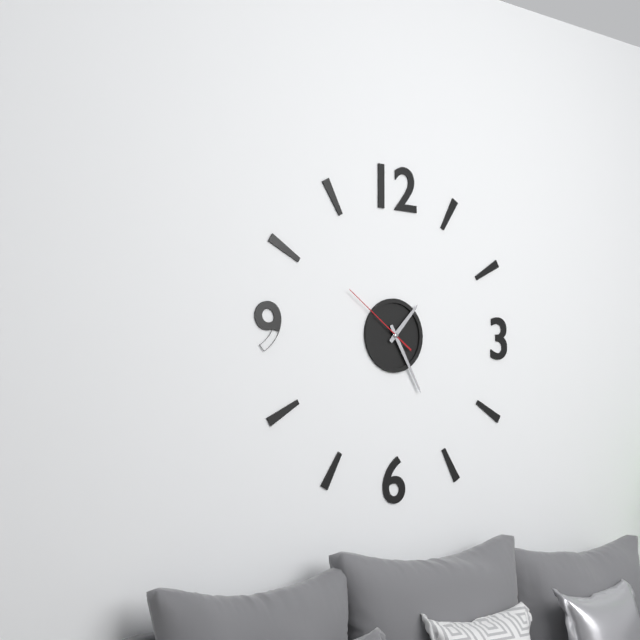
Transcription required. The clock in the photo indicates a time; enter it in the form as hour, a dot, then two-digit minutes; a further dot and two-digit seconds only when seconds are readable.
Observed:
1.25.51
